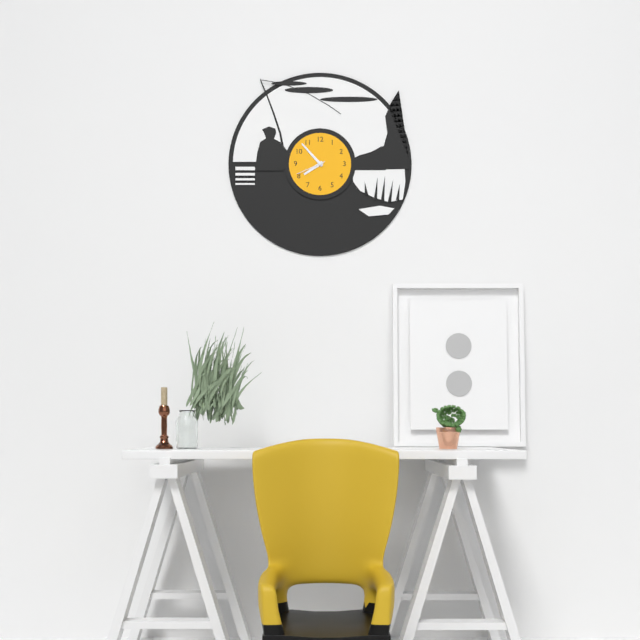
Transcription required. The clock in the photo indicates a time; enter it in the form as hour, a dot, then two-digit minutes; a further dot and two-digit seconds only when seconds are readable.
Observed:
7.53
